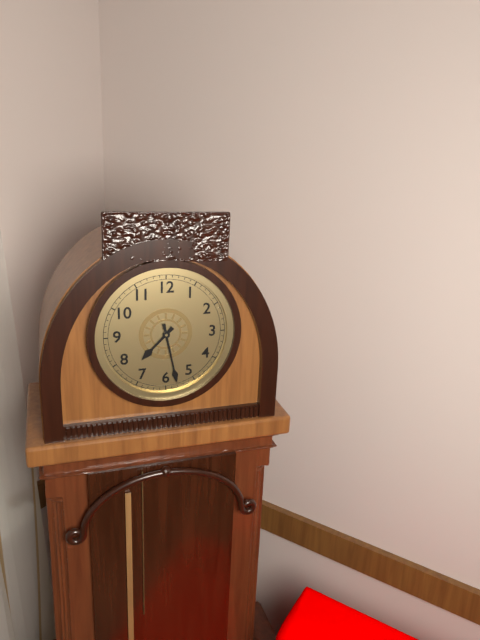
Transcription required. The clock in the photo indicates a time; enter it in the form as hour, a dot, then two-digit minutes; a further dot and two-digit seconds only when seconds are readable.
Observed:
7.28
